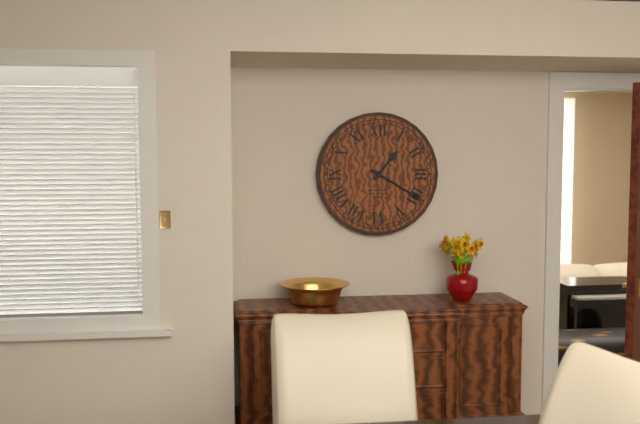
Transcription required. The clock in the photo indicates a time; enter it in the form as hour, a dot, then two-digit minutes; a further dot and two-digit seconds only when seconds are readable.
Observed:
1.20
